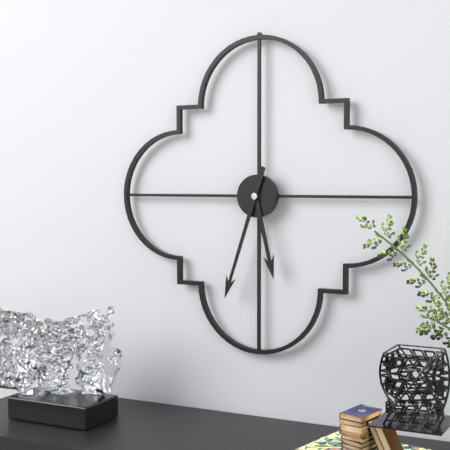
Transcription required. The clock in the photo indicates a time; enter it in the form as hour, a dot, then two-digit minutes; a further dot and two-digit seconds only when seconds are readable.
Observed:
5.33
